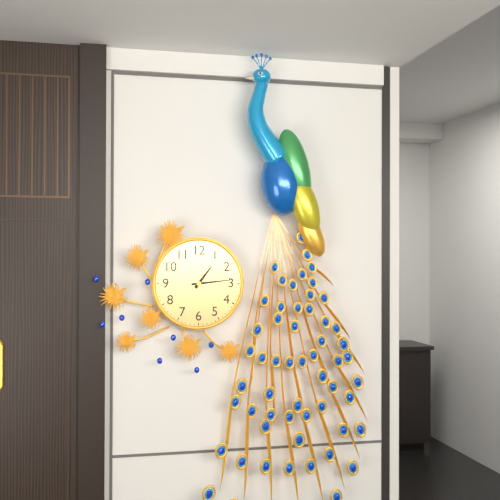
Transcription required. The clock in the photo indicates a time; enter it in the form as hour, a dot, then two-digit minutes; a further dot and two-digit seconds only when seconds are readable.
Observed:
1.14
